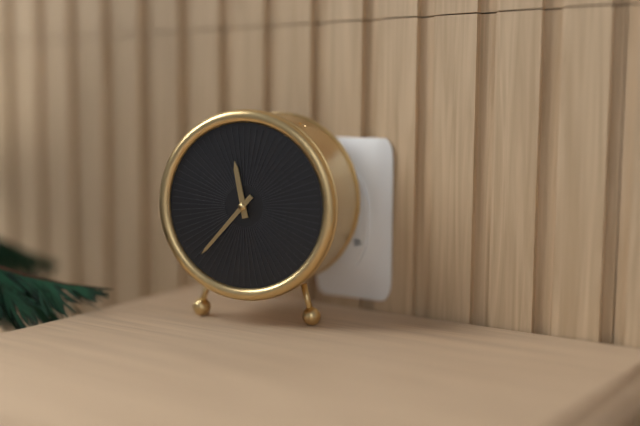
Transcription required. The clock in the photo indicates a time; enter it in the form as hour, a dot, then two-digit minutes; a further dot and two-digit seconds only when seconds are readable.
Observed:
11.37
